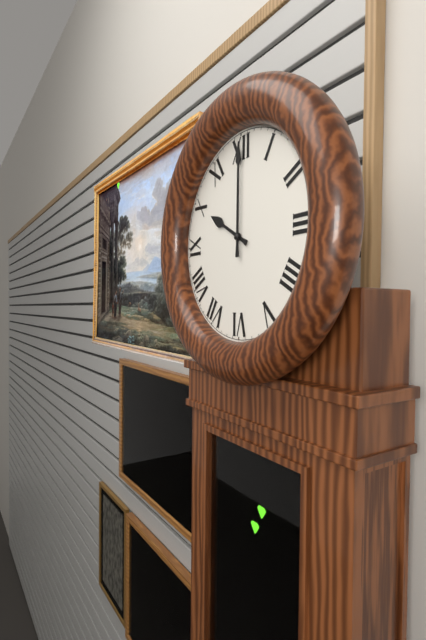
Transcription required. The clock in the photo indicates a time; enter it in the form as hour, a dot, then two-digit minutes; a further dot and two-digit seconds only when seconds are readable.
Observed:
10.00
